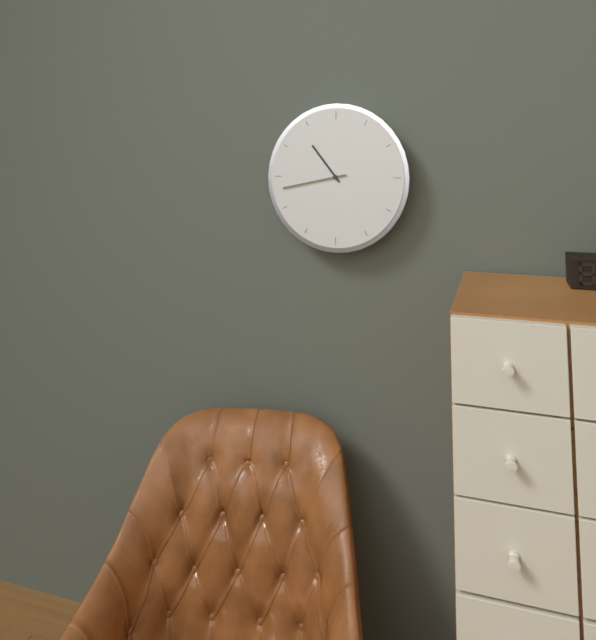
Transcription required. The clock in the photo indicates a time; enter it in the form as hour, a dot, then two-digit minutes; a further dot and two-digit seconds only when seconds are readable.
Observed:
10.43
